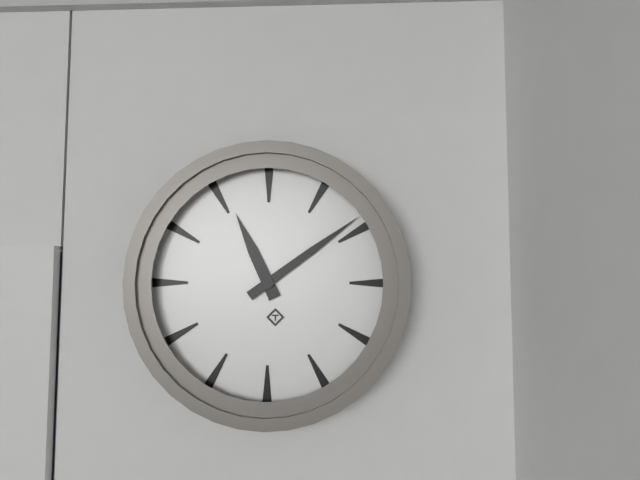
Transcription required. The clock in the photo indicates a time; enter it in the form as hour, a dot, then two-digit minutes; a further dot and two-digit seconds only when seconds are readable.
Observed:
11.09
